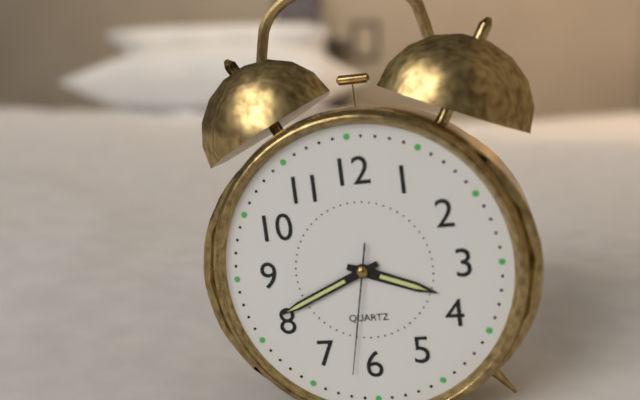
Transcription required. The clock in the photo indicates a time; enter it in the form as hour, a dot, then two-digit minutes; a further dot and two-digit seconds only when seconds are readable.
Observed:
3.41.32
